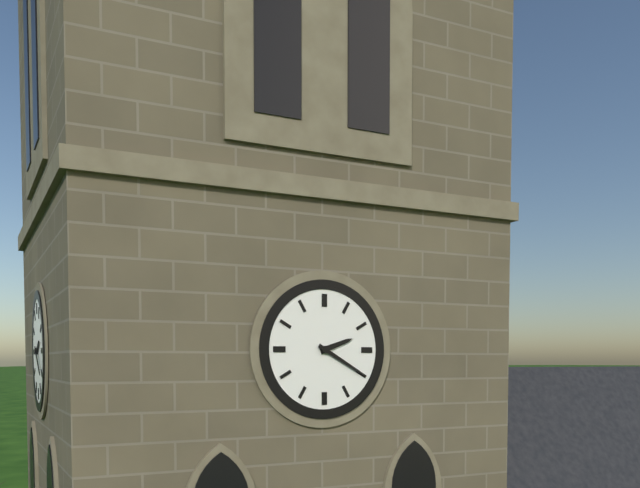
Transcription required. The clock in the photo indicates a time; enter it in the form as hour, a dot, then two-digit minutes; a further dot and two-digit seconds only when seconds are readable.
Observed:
2.20
